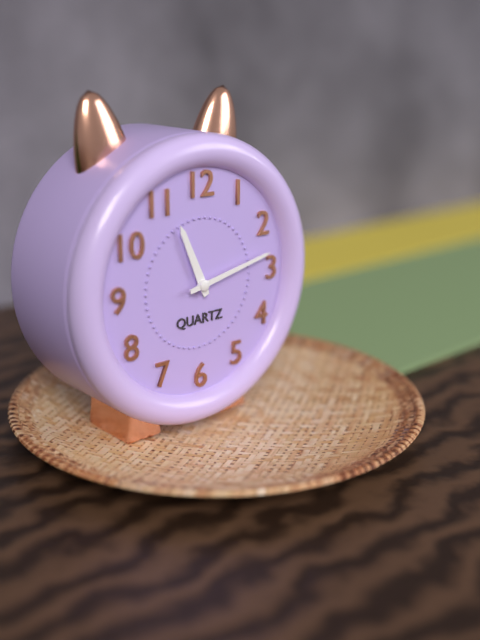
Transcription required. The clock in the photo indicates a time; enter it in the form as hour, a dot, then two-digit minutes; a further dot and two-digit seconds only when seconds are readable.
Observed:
11.13
